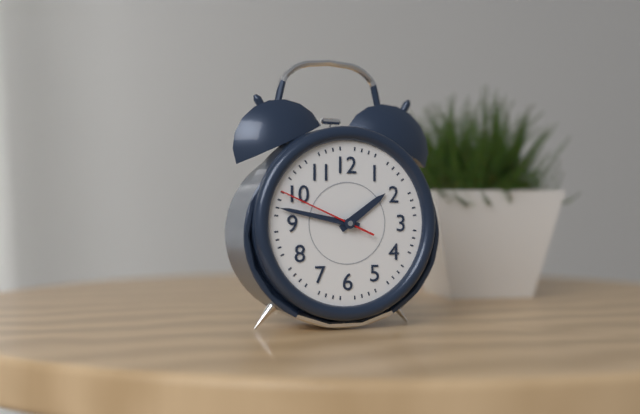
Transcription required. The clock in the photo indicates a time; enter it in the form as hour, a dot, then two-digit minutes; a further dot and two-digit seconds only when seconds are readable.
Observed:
1.47.49
